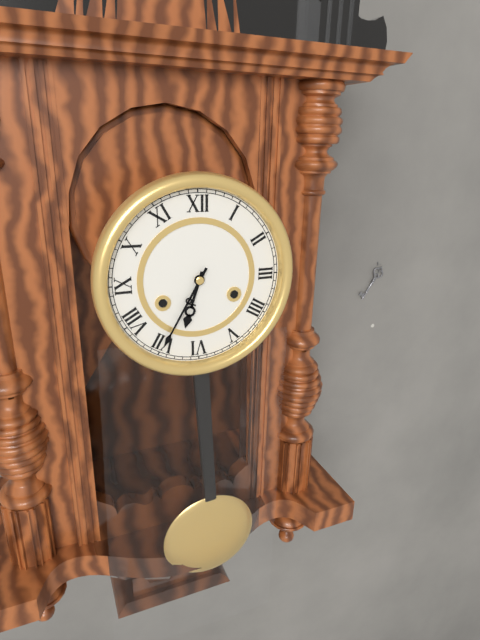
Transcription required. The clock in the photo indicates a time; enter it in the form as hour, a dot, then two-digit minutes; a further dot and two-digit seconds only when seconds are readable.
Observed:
6.35
